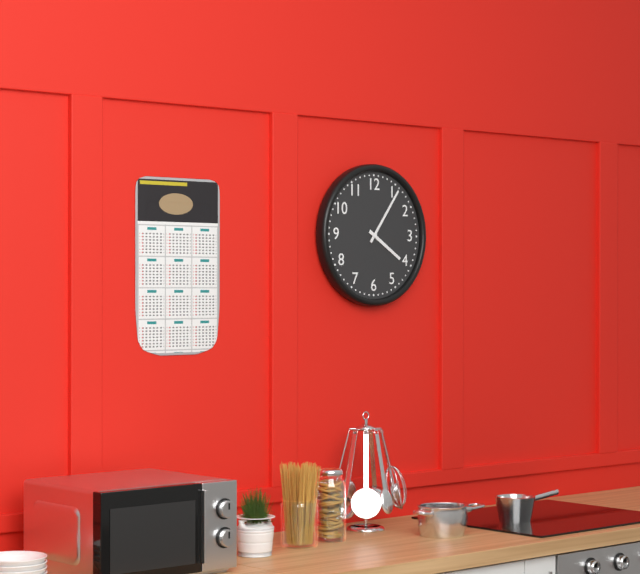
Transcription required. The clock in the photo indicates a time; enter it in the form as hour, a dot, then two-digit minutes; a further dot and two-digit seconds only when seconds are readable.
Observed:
4.06
